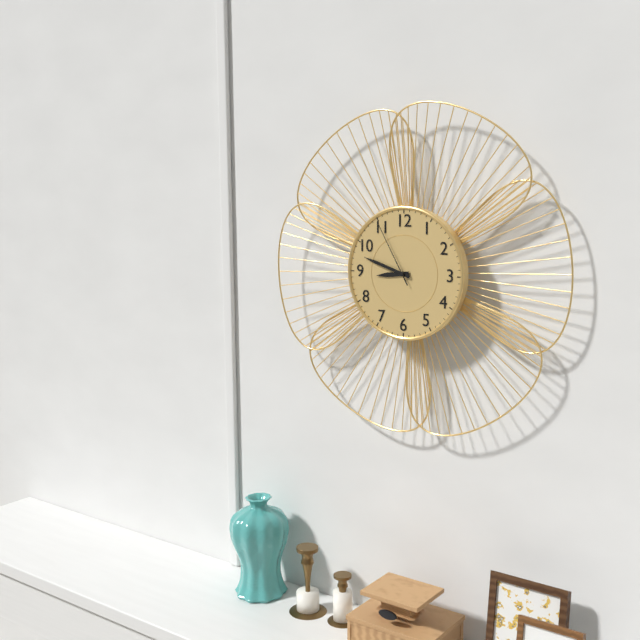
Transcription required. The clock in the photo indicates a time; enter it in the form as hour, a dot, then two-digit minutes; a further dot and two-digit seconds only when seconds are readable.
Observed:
8.48.55
